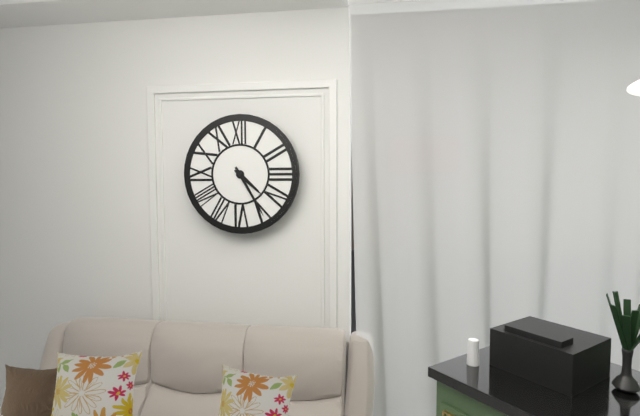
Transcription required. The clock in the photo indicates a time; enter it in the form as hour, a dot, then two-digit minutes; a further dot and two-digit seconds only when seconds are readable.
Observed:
4.25
